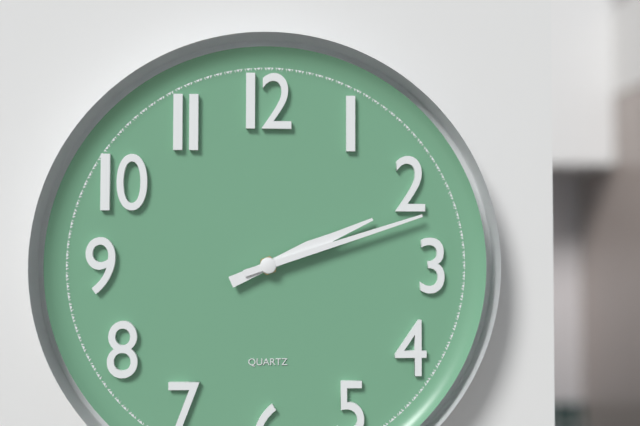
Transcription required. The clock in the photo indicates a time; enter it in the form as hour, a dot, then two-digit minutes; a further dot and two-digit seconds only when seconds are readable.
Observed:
2.12
